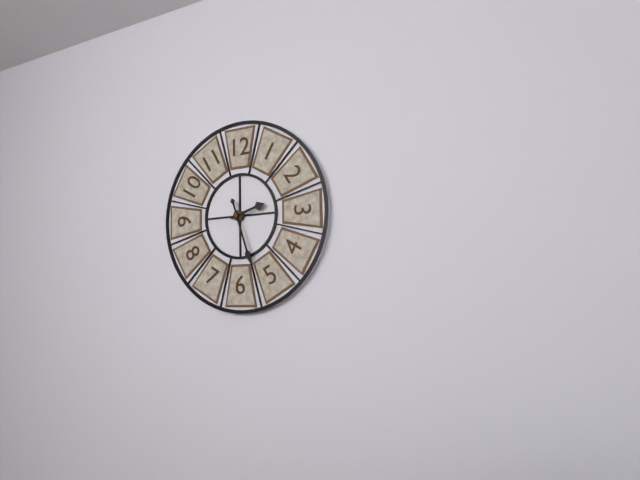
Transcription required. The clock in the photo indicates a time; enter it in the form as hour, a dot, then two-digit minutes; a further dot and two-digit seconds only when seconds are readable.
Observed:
2.27
